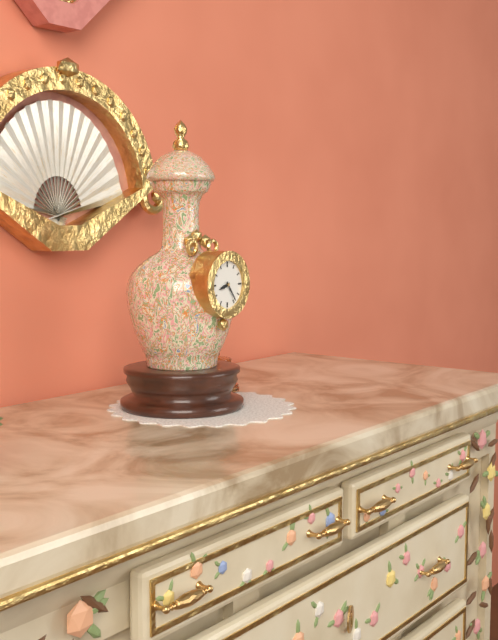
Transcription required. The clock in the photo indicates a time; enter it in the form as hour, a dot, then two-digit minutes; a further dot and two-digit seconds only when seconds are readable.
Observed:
8.24
